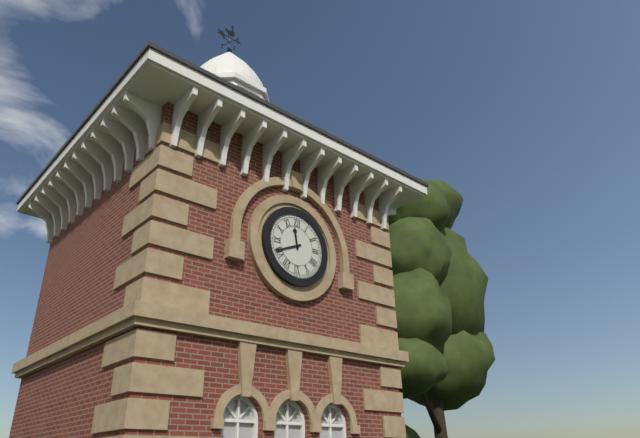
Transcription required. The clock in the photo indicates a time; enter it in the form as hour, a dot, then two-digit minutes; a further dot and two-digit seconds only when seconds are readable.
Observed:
11.41
